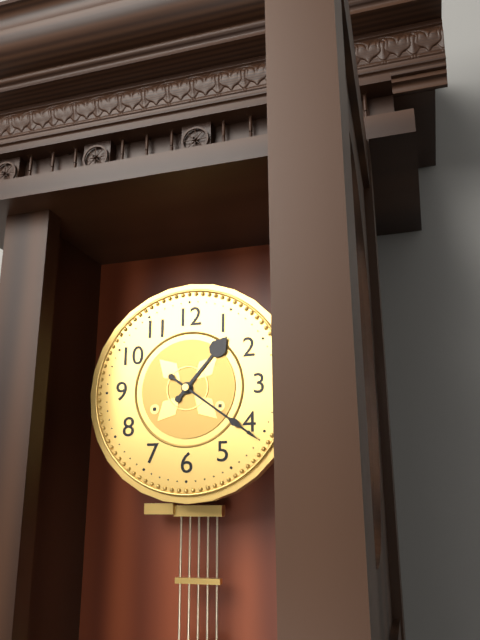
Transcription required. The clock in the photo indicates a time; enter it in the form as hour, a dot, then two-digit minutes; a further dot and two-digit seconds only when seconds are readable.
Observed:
1.21
